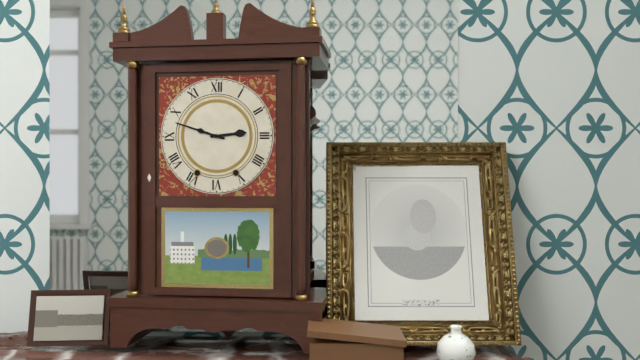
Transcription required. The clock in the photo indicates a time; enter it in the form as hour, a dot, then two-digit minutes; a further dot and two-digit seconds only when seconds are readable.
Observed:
2.48
